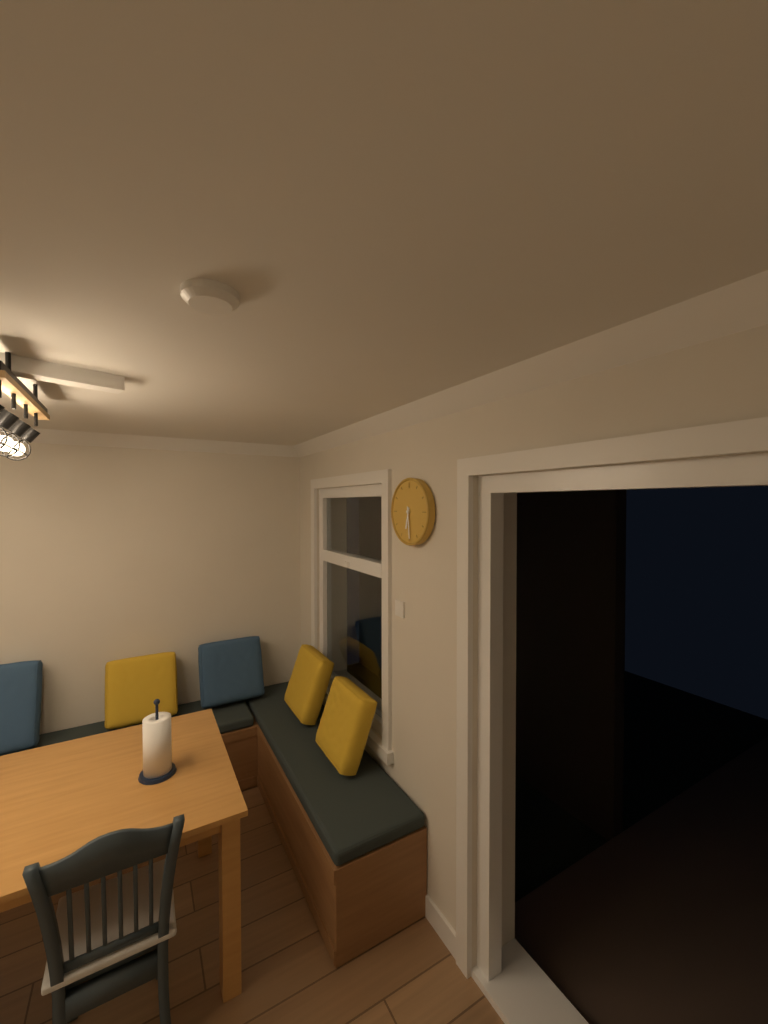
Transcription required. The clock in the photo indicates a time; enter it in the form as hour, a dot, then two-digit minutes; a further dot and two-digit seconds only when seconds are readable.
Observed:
6.29
